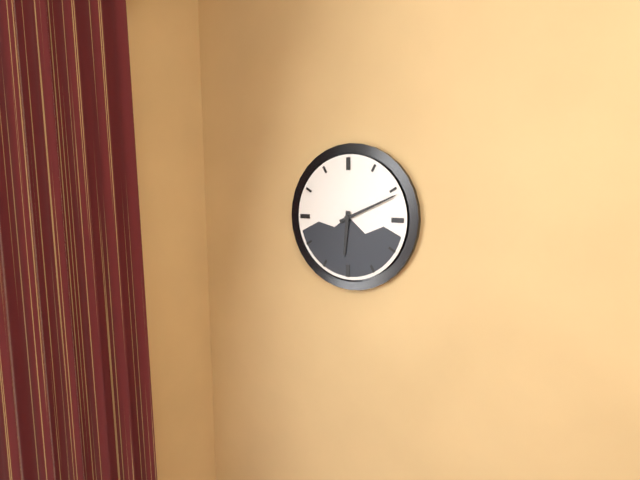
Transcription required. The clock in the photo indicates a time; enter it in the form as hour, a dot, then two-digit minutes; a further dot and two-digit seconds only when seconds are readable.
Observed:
6.11
